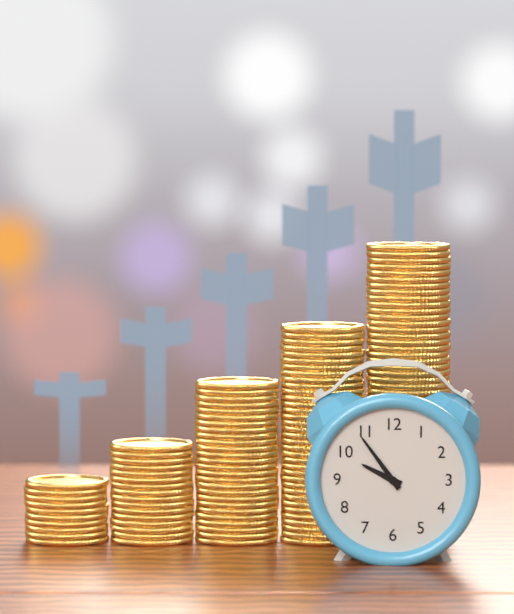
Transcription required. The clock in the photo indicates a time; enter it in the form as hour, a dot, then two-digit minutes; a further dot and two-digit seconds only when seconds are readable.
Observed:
9.54
